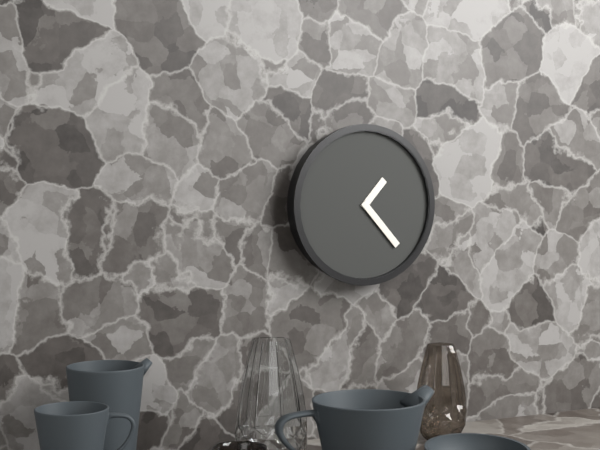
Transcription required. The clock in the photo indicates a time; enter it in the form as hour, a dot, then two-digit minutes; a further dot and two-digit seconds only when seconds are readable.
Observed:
1.23
